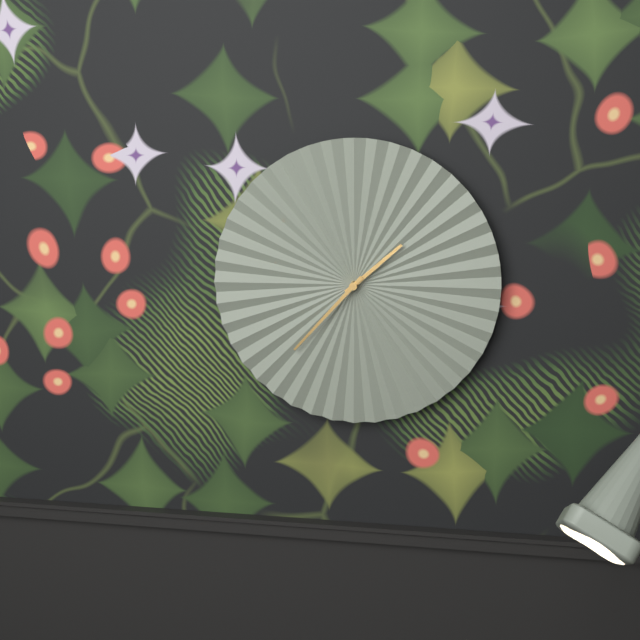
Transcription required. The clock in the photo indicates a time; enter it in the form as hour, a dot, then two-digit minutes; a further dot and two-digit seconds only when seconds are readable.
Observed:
1.37
